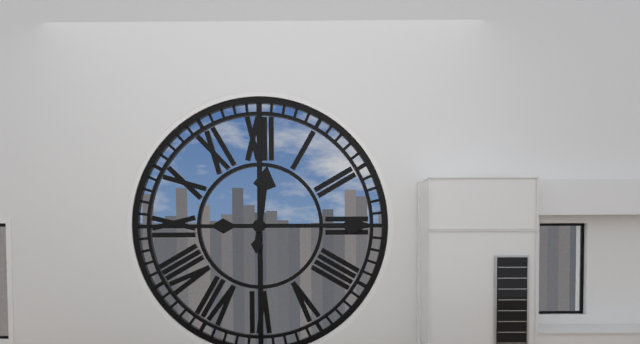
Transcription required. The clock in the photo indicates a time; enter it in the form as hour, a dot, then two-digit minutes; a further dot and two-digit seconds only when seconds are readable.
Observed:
12.15
